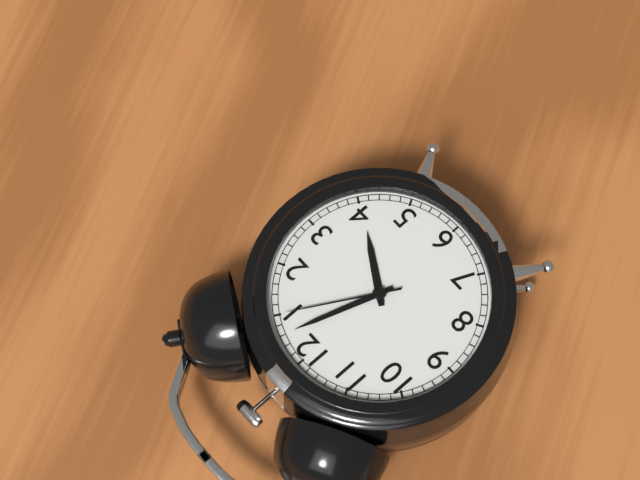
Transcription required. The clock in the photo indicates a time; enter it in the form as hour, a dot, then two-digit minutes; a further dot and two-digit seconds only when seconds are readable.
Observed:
4.03.05
